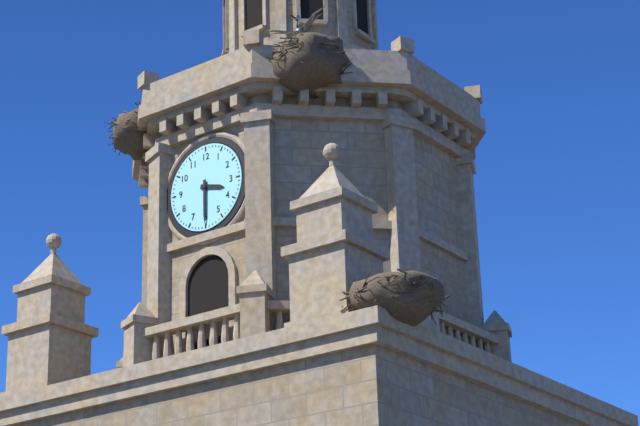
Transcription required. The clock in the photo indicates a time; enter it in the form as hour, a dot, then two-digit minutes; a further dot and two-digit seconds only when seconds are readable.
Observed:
3.30
